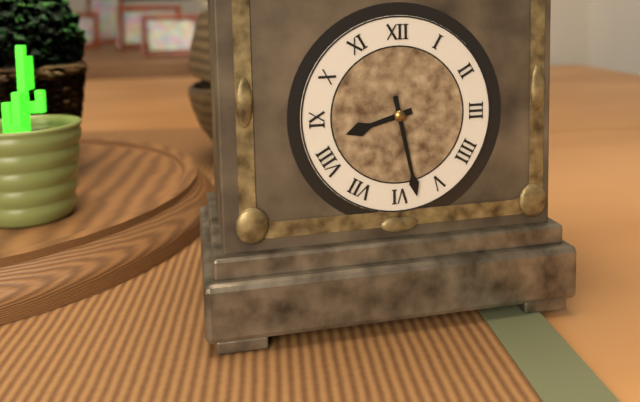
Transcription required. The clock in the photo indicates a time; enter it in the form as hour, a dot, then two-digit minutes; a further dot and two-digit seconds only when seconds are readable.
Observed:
8.28
